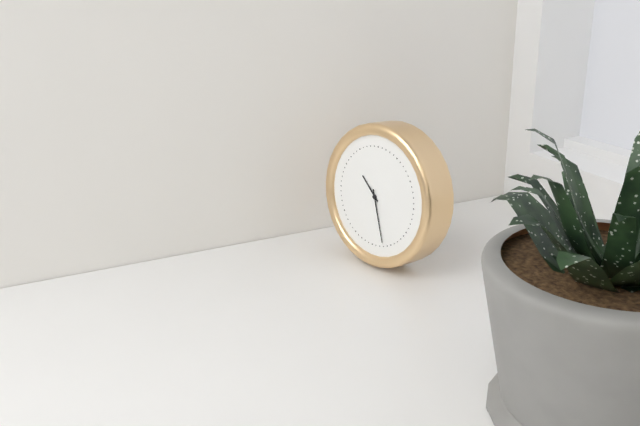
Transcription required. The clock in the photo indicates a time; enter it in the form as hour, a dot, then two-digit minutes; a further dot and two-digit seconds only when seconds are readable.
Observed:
10.27
